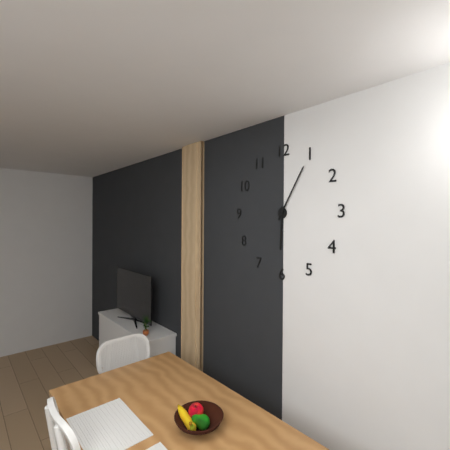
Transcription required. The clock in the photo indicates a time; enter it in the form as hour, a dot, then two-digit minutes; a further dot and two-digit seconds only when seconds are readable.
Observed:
6.05
